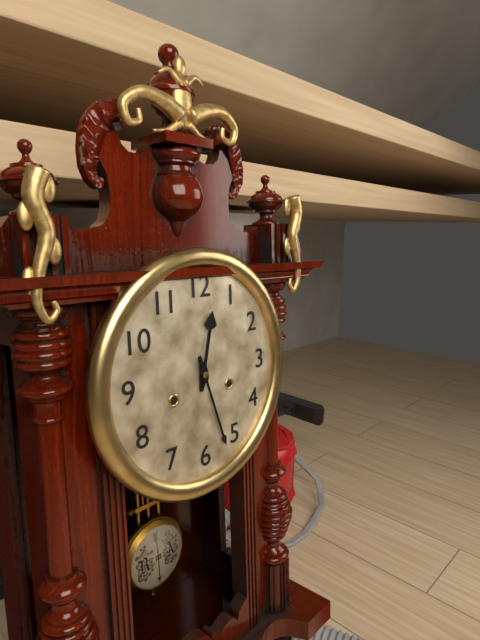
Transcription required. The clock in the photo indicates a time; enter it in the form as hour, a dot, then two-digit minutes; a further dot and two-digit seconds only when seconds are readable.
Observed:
12.27
